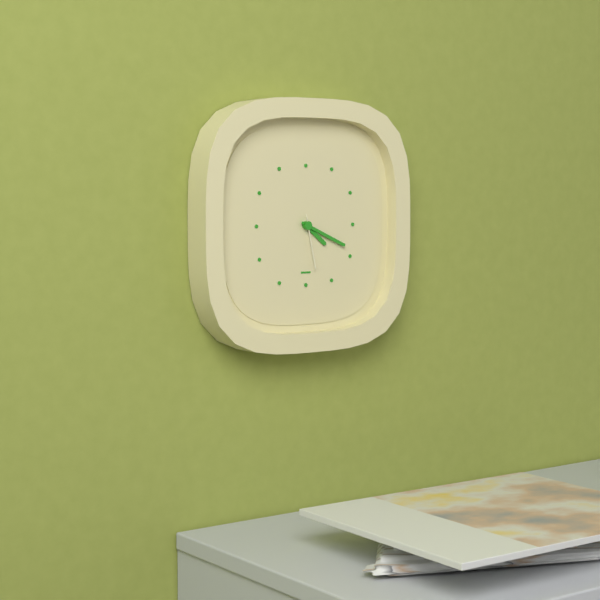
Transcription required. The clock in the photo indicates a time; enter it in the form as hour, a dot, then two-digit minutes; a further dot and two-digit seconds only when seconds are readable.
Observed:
4.19.28
